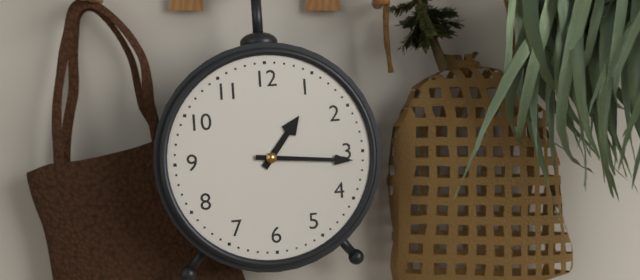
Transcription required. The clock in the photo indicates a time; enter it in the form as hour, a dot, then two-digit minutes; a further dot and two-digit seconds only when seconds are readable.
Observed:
1.16
